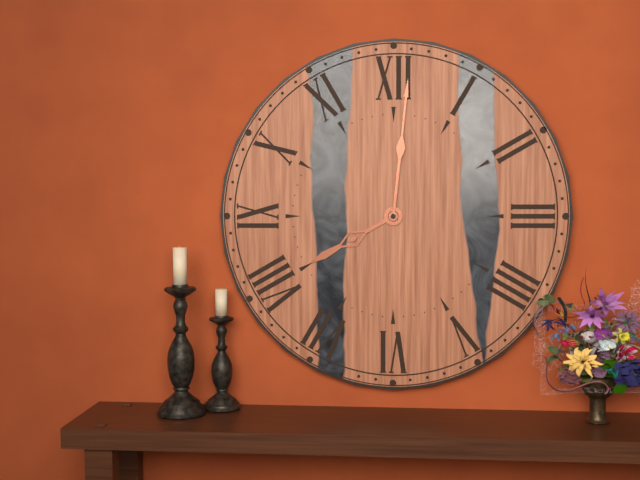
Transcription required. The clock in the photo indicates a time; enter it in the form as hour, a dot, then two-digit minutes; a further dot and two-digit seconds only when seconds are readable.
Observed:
8.01
